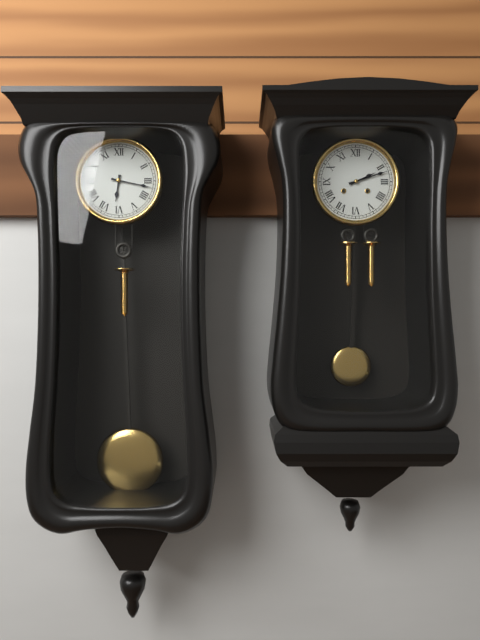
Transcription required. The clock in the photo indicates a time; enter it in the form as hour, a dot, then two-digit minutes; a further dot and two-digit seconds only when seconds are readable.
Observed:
6.17
